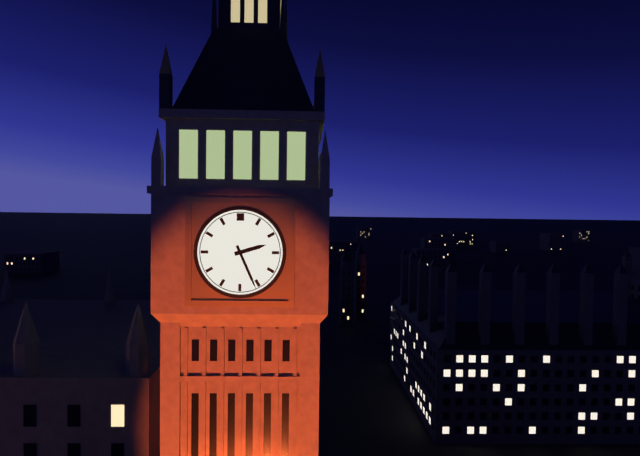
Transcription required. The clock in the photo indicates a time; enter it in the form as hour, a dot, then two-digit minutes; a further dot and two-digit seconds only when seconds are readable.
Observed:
2.26
